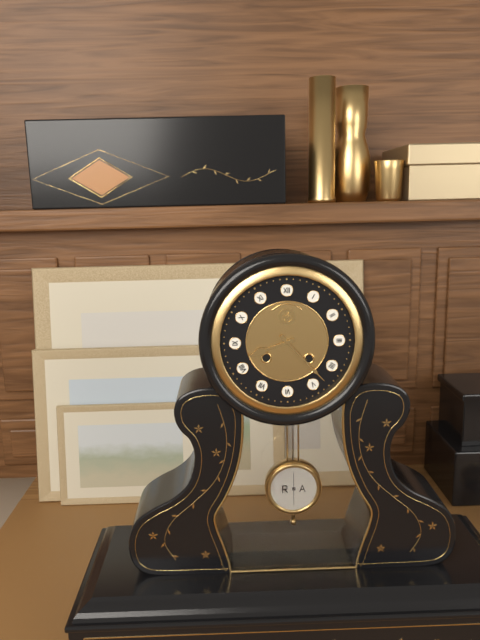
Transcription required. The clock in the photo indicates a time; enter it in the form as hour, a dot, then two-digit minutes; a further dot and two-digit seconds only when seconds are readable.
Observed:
8.23
